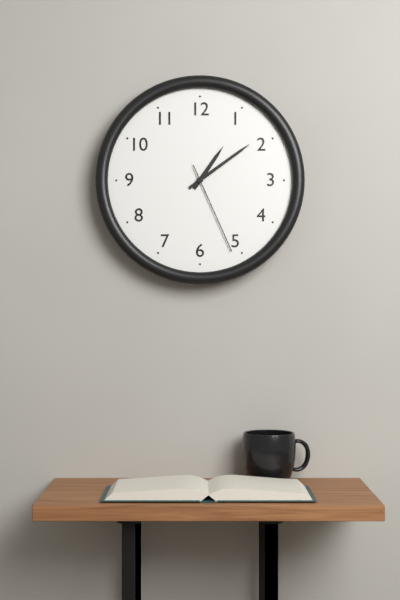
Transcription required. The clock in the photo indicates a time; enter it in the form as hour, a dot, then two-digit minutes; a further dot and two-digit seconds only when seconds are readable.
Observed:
1.09.26
